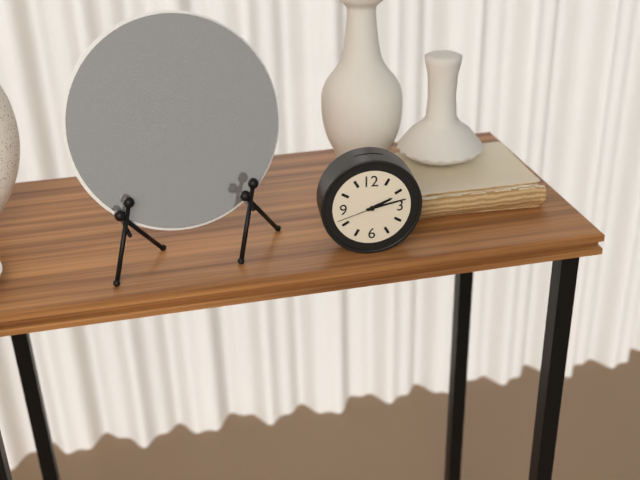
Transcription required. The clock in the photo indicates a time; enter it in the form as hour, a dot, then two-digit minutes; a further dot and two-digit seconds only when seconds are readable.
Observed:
2.13
